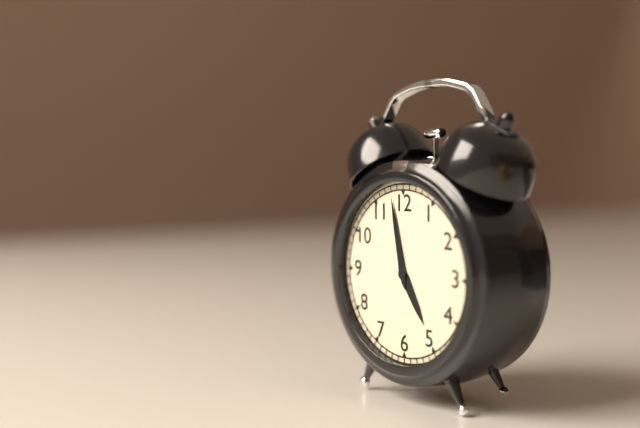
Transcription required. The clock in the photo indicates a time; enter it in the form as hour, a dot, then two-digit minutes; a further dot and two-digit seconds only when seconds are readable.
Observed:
4.58
